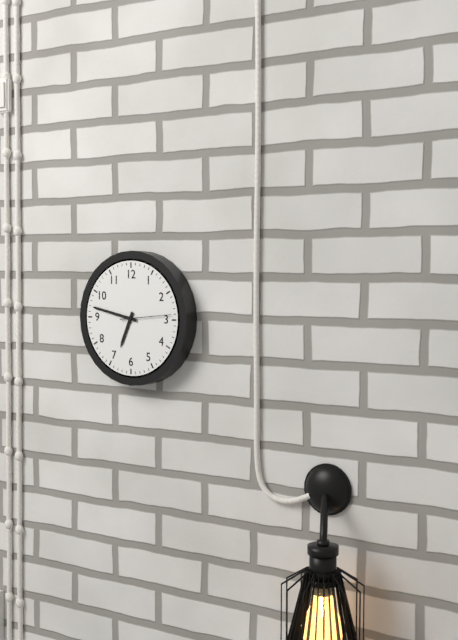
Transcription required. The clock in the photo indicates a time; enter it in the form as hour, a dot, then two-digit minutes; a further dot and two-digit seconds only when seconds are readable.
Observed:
6.47.14
